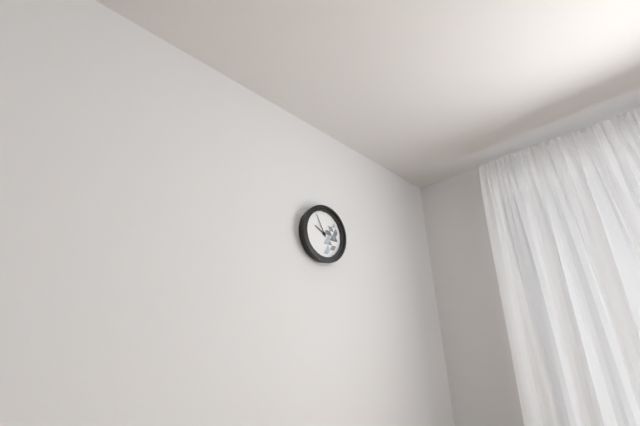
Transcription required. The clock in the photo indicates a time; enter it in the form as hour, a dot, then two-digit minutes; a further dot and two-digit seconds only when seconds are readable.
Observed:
9.55
